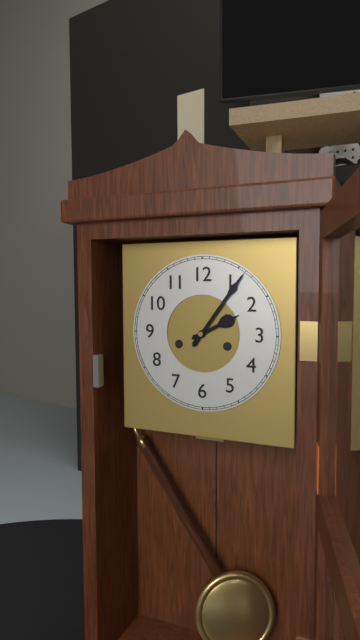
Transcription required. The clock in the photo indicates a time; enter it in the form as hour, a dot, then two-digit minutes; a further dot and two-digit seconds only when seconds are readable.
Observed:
2.06
